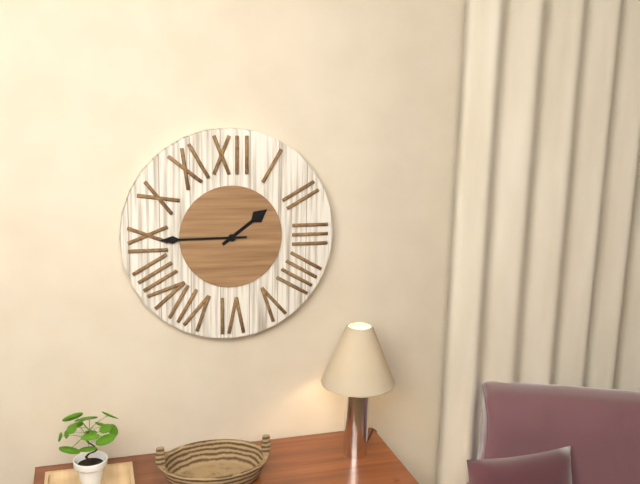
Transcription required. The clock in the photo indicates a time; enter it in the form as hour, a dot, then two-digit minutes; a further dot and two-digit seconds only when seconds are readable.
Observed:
1.45
